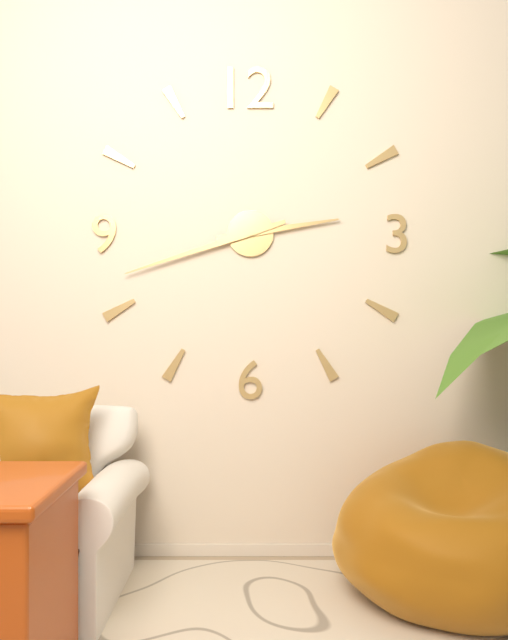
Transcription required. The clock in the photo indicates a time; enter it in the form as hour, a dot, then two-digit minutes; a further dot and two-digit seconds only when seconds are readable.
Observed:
2.42
